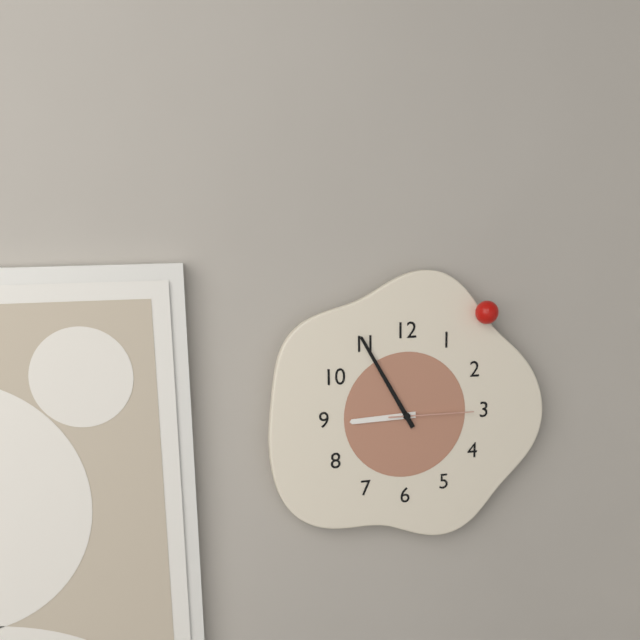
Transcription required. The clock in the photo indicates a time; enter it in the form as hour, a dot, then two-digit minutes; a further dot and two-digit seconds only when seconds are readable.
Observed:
8.55.15
